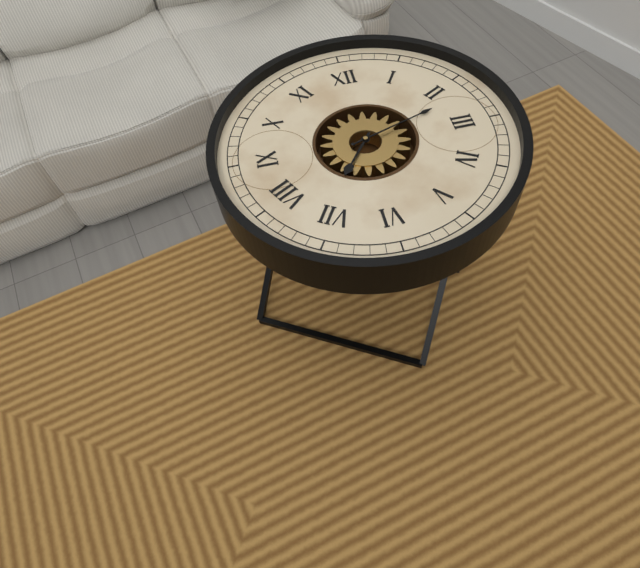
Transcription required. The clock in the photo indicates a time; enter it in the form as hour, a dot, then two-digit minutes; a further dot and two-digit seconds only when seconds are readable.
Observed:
7.12
